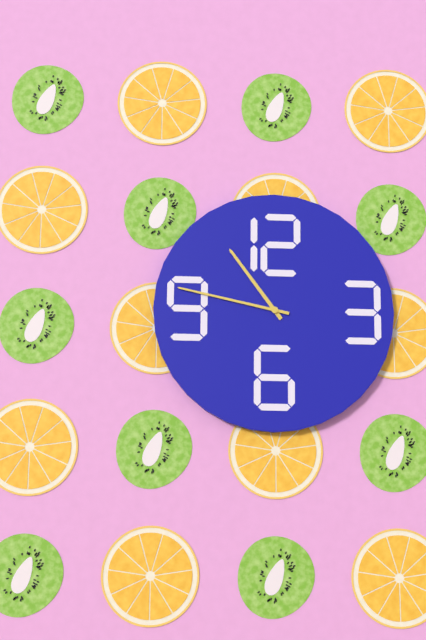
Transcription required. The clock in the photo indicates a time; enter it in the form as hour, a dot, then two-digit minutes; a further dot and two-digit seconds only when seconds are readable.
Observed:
10.47
